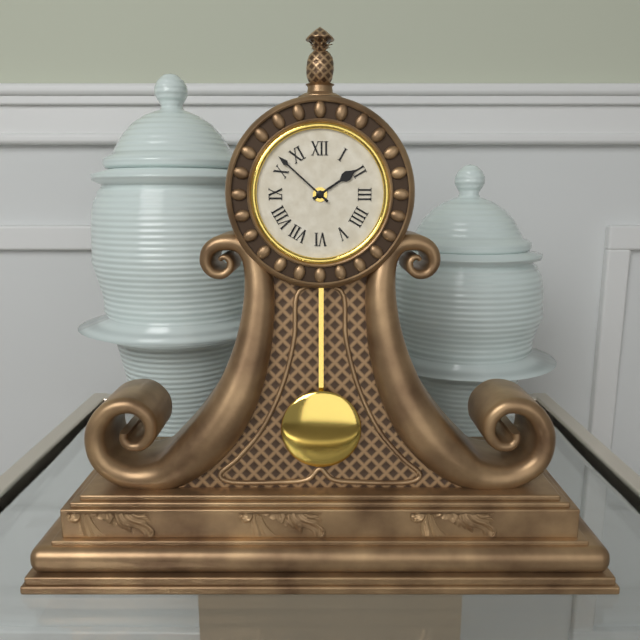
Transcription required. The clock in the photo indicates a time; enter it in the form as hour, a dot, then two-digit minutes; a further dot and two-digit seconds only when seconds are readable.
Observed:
1.52
